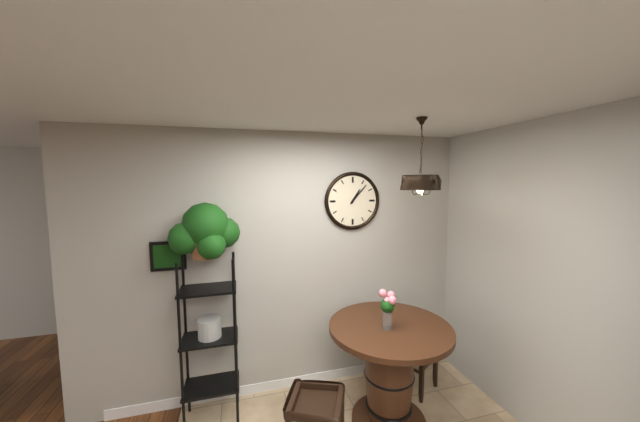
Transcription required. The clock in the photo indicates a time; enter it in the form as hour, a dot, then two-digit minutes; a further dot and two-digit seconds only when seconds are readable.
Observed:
1.07
